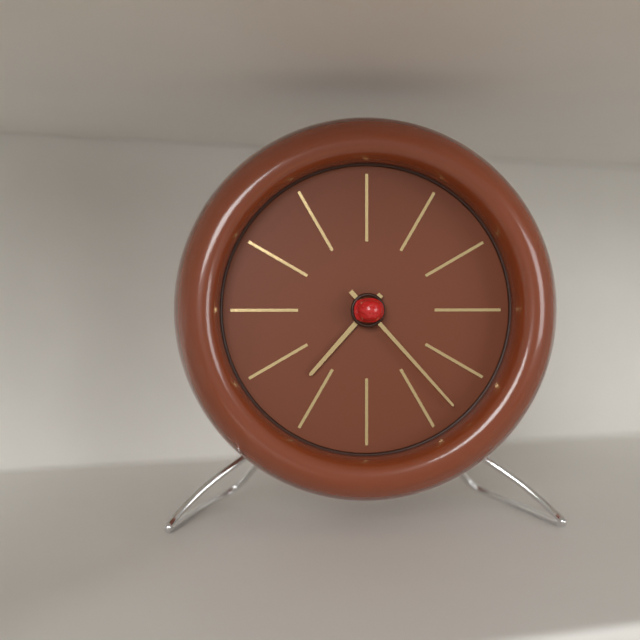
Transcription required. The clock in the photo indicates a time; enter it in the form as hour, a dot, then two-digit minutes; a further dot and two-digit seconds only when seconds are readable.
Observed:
7.23
